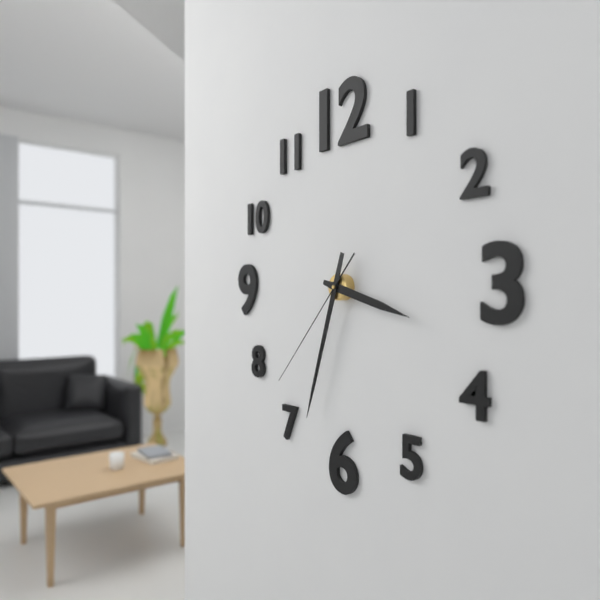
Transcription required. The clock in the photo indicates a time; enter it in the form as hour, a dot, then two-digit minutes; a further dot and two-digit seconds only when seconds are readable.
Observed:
3.33.37
